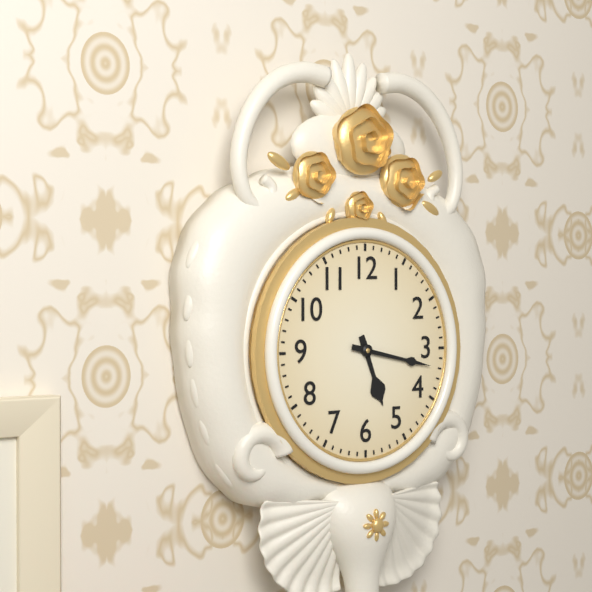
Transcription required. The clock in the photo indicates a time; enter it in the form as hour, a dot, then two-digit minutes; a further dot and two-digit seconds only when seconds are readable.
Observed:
5.17
